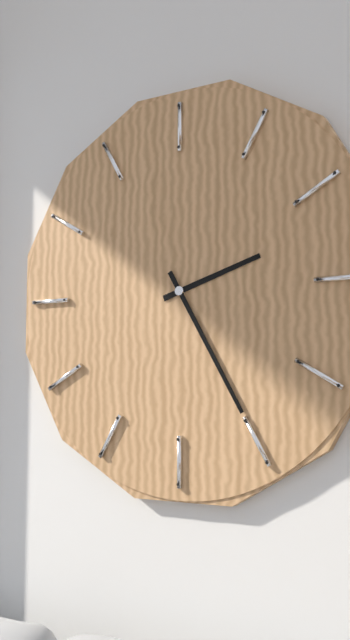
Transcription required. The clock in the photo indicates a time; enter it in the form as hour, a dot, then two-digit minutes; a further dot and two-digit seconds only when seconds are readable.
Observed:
2.25
